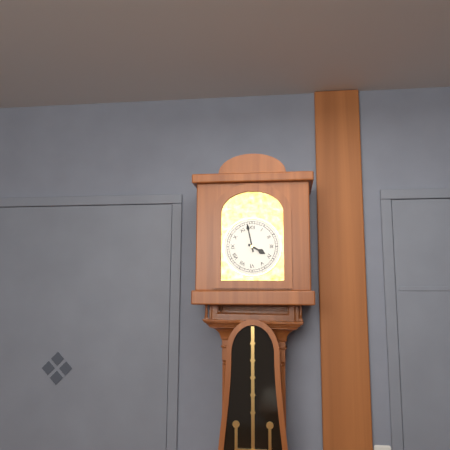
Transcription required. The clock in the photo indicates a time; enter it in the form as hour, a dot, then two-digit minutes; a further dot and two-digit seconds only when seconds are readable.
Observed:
3.58
